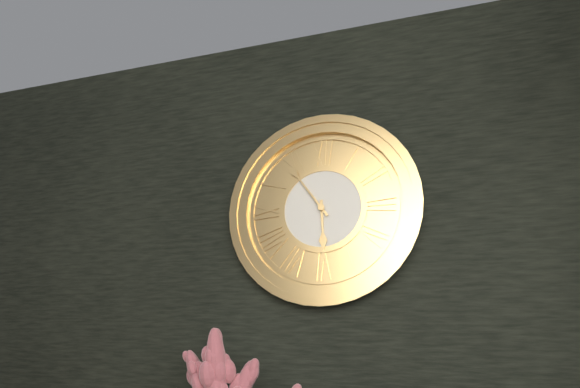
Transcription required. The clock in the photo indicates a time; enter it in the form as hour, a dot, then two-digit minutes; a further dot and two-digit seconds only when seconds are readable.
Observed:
5.54
